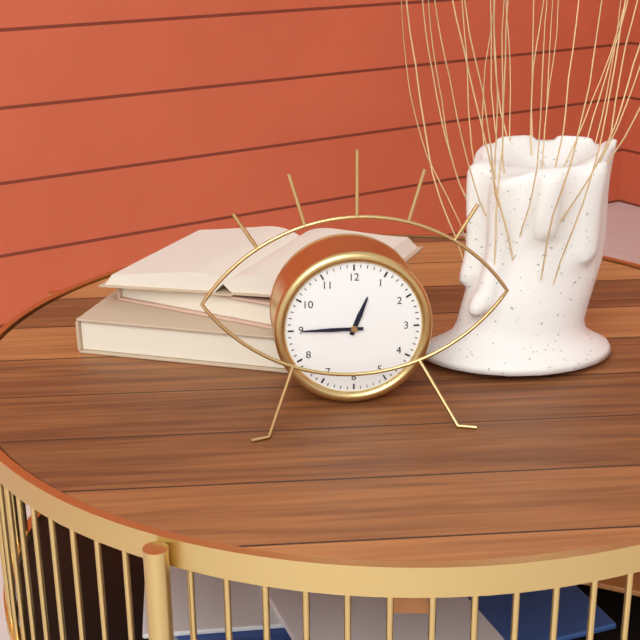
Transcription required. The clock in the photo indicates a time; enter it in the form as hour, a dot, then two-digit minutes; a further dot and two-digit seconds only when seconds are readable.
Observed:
12.45
